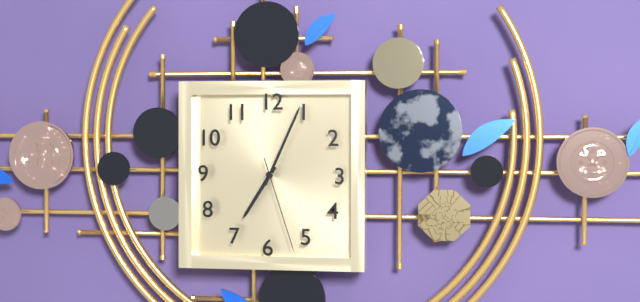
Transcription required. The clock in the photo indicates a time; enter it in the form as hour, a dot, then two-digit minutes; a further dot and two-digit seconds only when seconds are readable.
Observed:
7.04.27
